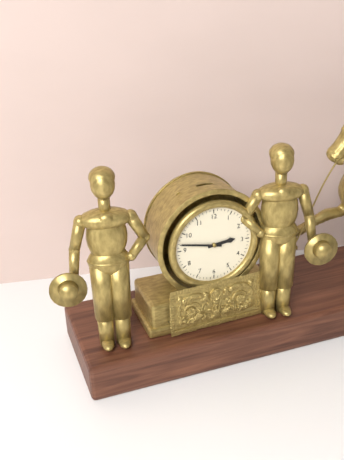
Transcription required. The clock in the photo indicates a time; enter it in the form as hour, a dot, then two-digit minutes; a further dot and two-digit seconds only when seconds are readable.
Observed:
2.47
